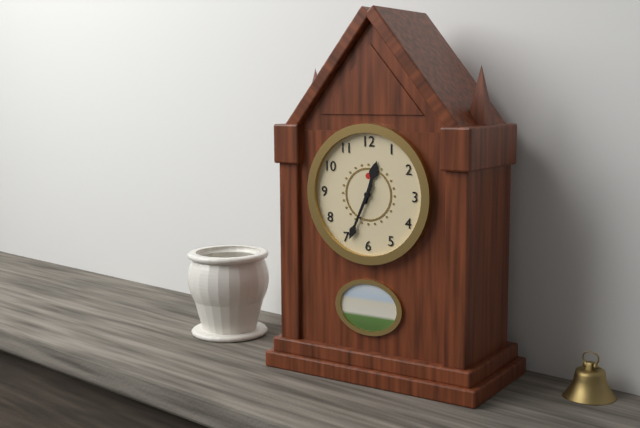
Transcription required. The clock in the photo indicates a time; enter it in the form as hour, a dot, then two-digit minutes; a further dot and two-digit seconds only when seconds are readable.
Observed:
12.34
